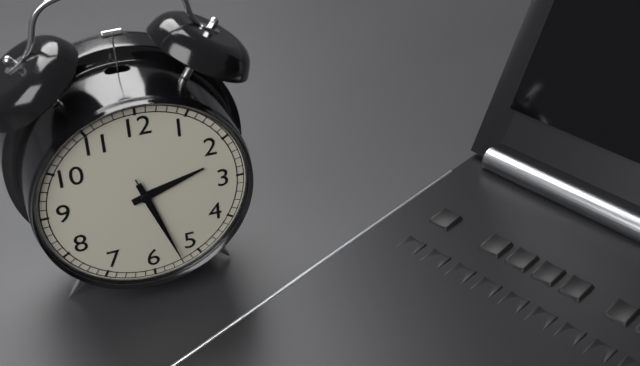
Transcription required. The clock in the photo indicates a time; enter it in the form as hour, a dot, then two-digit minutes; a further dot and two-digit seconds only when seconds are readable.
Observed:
2.27.27
